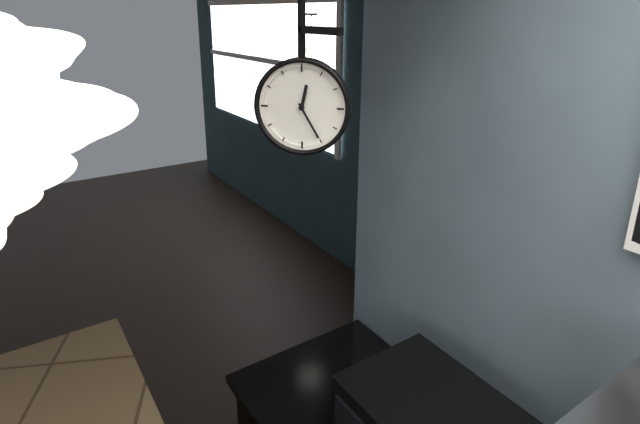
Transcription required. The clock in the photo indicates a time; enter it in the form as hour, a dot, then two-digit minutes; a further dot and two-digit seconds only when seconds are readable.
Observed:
12.25
